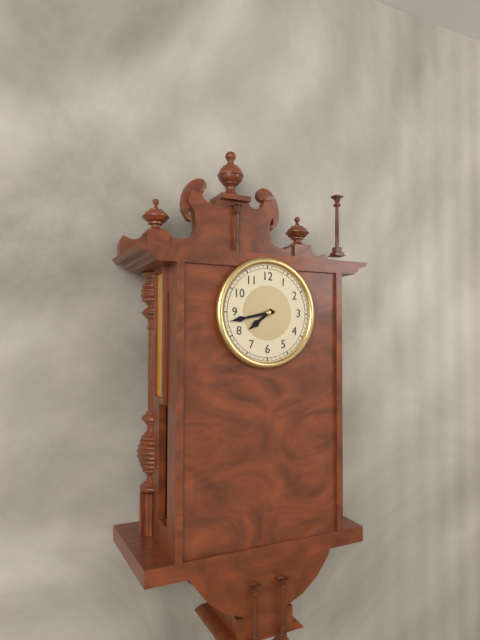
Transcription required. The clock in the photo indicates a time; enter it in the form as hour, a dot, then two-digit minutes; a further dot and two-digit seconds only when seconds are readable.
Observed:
7.43
